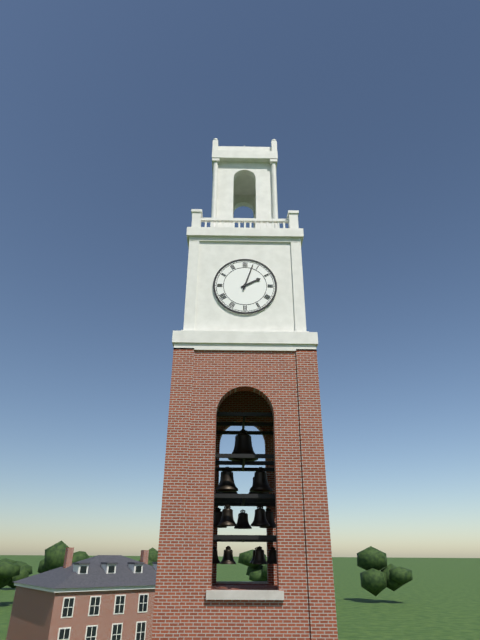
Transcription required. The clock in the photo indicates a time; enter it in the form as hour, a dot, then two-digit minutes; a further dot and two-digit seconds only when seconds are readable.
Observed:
2.03
